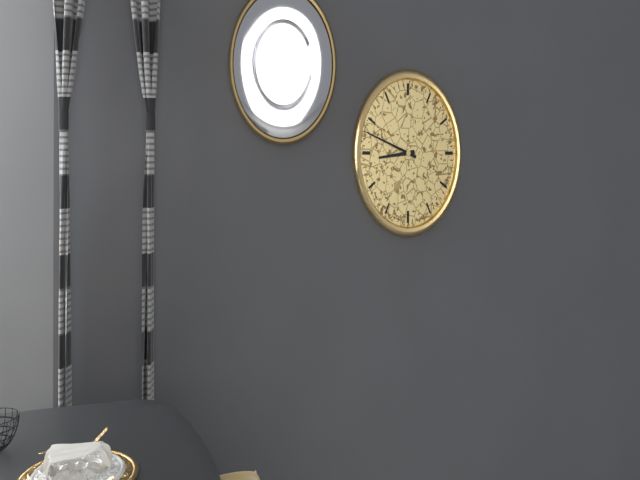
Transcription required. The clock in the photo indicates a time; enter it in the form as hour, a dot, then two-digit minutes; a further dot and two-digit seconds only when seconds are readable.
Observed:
8.48
